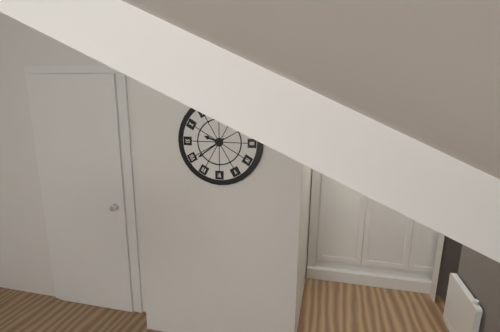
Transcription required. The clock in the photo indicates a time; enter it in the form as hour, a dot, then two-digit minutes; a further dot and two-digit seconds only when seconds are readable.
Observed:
9.39
